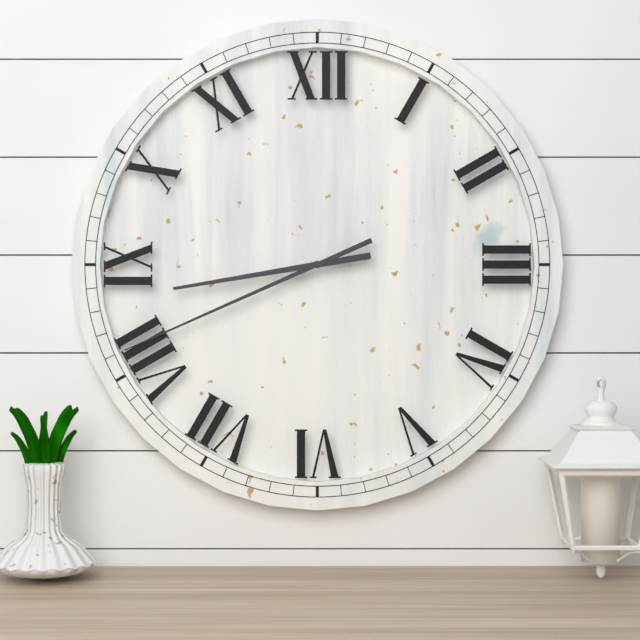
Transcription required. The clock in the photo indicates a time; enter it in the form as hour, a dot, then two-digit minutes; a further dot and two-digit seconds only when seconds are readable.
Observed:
8.41
